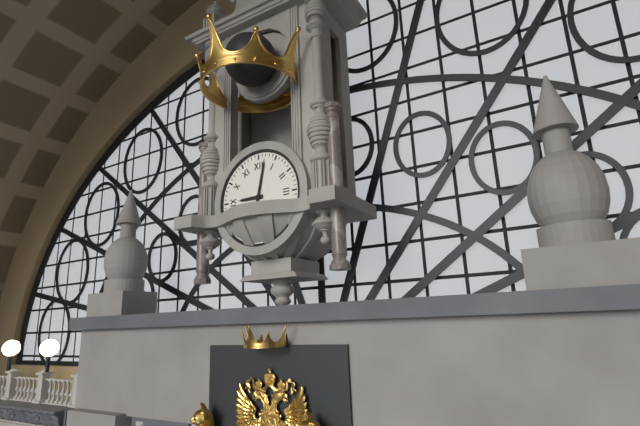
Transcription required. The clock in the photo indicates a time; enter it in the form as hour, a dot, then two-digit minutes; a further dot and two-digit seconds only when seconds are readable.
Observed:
9.02
